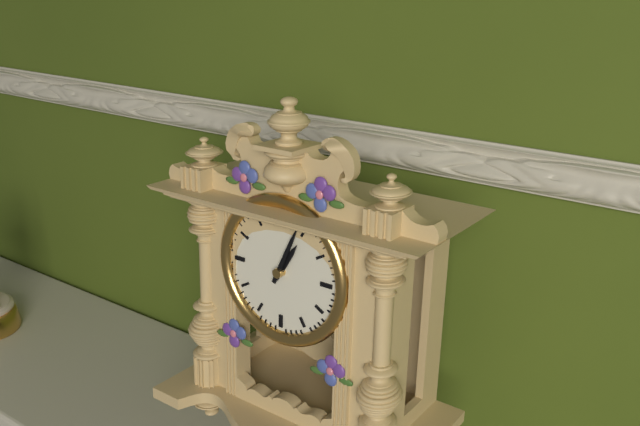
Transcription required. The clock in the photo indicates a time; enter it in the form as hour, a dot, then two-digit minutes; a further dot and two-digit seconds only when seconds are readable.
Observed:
1.04
